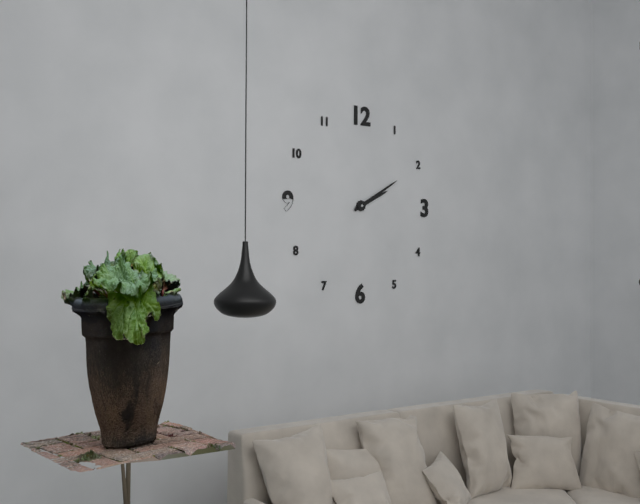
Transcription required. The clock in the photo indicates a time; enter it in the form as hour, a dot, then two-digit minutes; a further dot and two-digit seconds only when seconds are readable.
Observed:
2.10
